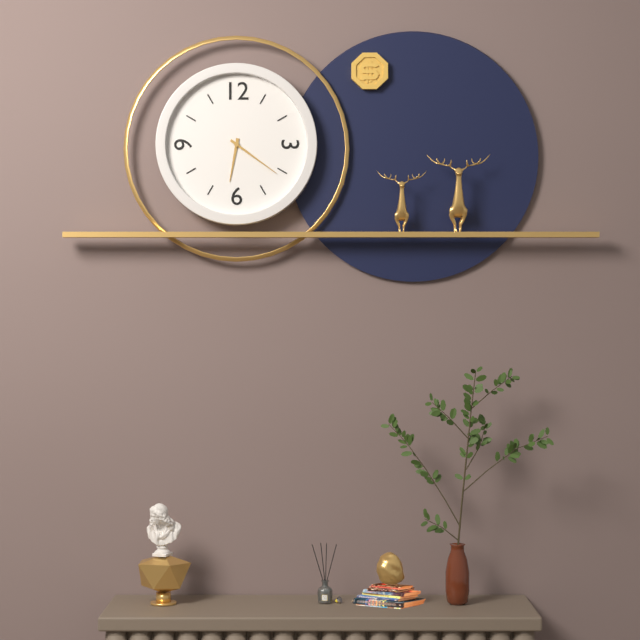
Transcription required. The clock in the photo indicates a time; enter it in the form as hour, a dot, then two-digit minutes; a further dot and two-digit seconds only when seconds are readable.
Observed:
6.21
